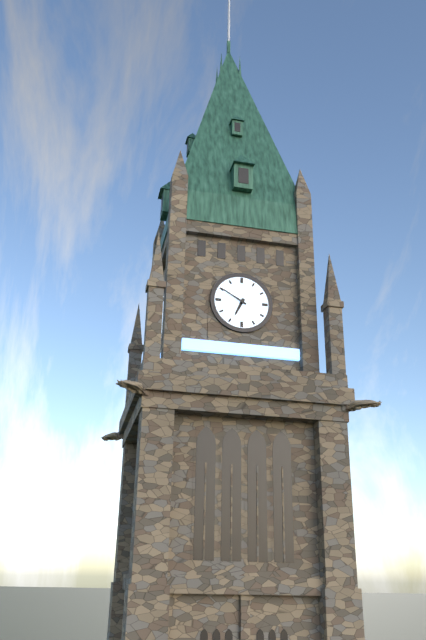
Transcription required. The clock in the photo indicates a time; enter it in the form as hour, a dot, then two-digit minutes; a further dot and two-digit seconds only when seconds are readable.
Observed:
6.50
